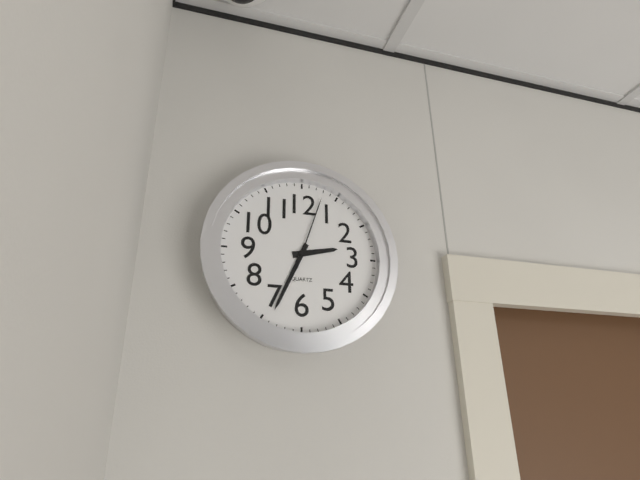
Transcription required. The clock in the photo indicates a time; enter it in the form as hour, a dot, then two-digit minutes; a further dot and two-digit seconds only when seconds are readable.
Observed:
2.34.03
